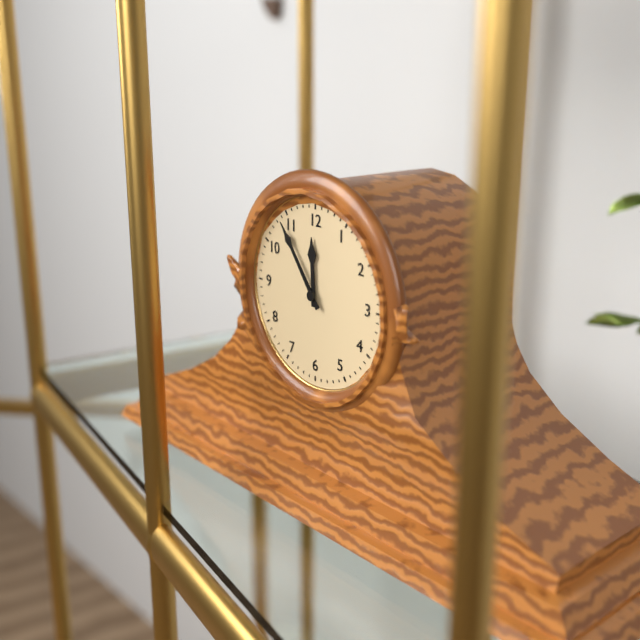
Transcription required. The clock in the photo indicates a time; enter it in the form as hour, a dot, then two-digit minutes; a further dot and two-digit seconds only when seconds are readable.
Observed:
11.54
